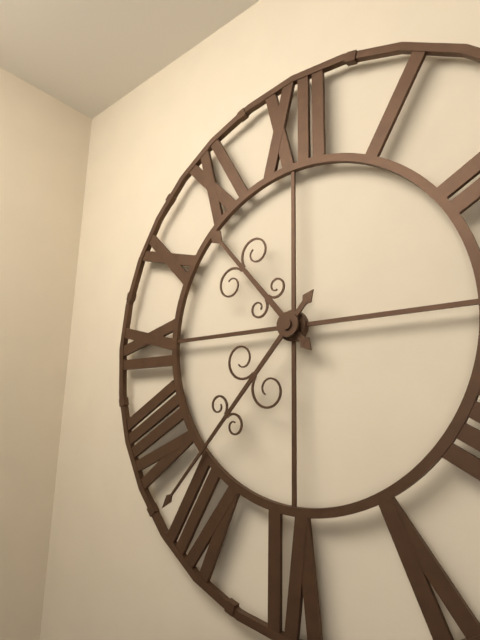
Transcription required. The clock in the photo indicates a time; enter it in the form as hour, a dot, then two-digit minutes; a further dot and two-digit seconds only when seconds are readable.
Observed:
10.37
